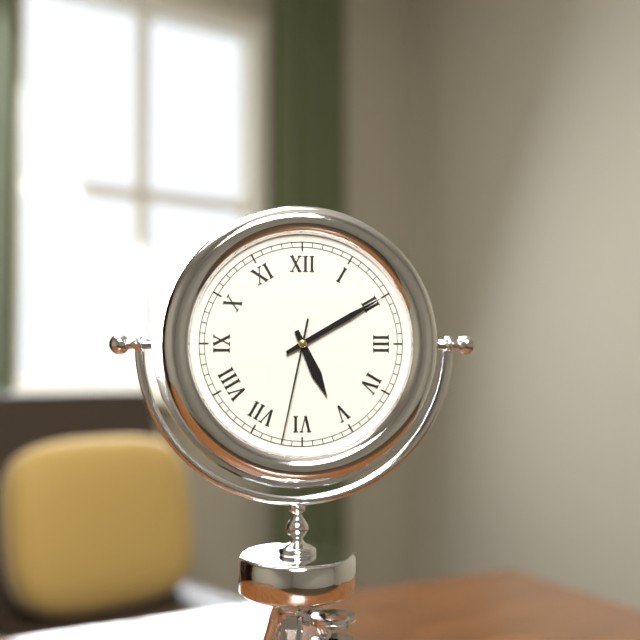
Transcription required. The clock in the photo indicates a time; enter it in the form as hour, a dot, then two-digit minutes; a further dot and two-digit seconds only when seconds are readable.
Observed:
5.10.32
